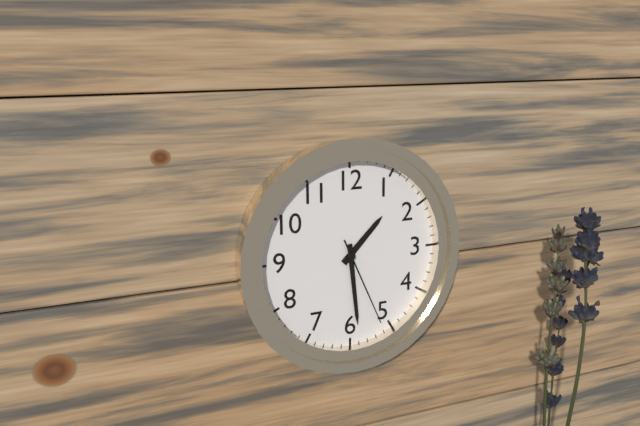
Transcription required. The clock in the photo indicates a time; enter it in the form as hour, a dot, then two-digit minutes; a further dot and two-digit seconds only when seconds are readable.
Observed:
1.29.26
